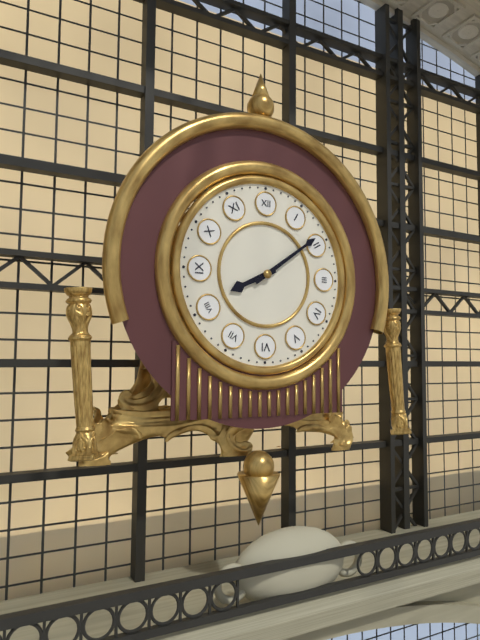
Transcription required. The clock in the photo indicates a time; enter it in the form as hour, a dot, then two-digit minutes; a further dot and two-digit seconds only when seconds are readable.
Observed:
8.09
